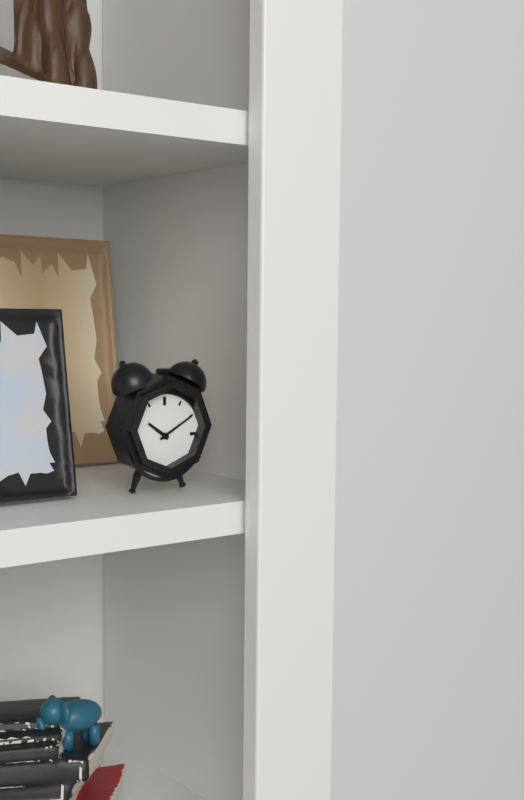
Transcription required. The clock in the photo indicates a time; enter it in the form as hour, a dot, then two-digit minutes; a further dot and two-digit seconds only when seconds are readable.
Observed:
10.10
